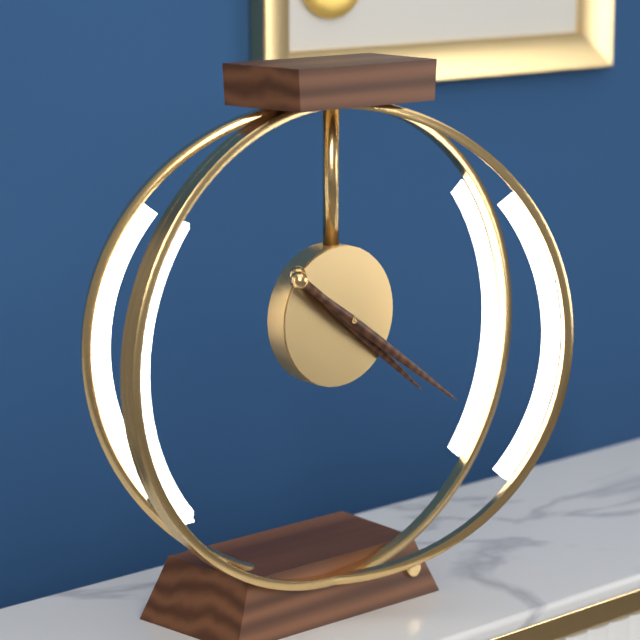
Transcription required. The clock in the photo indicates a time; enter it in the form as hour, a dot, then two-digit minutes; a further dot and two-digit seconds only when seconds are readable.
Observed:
4.21
